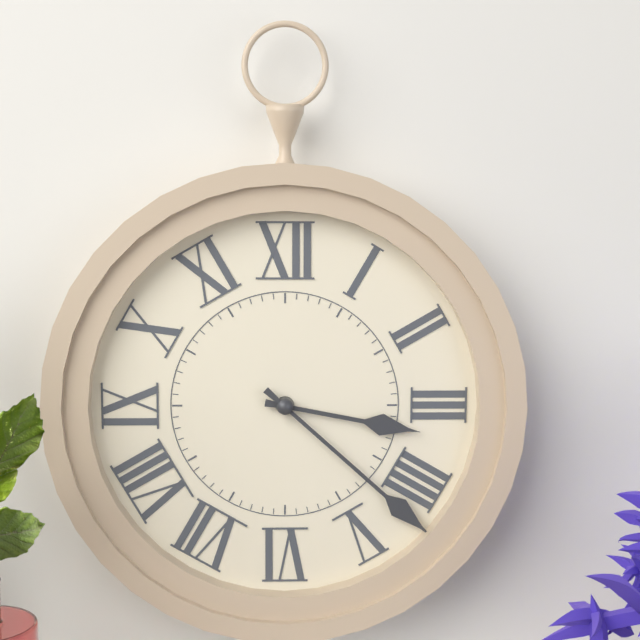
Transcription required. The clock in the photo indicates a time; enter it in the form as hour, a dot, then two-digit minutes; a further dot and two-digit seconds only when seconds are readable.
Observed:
3.22
